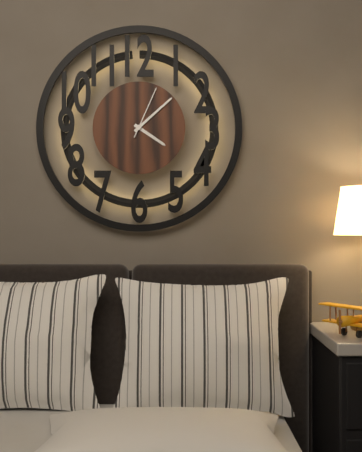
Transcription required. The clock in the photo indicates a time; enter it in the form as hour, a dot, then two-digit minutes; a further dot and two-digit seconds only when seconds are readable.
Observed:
4.08.04
